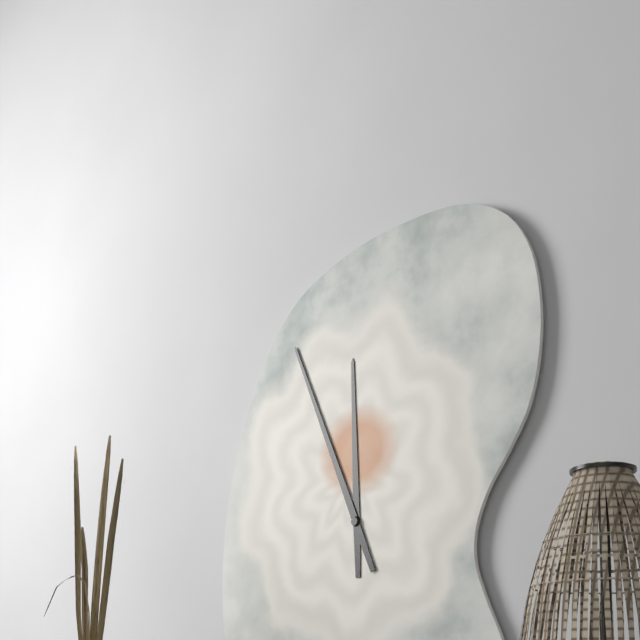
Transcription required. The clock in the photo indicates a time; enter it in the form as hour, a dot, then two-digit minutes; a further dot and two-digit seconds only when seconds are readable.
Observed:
11.56
